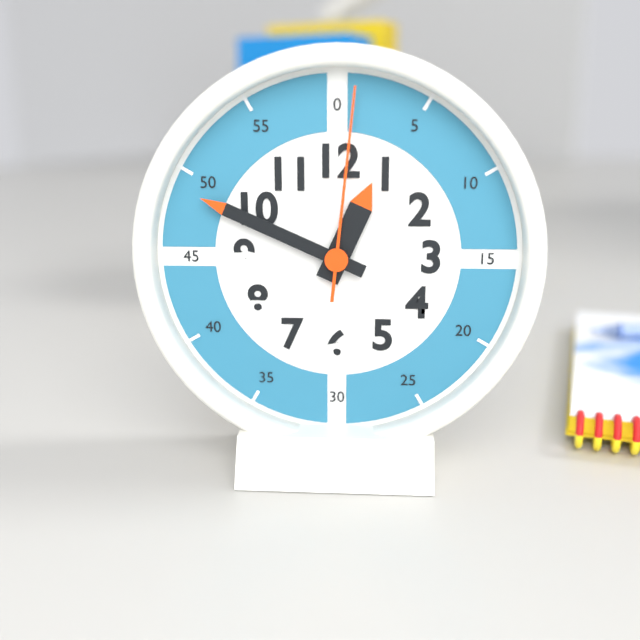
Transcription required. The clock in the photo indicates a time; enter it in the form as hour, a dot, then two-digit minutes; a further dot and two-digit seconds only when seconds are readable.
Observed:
12.49.01
